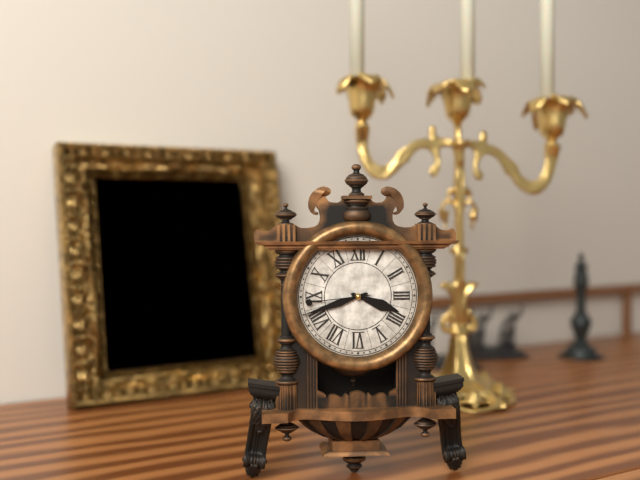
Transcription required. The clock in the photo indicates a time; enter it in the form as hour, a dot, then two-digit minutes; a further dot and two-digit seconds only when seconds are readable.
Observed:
3.42.44
